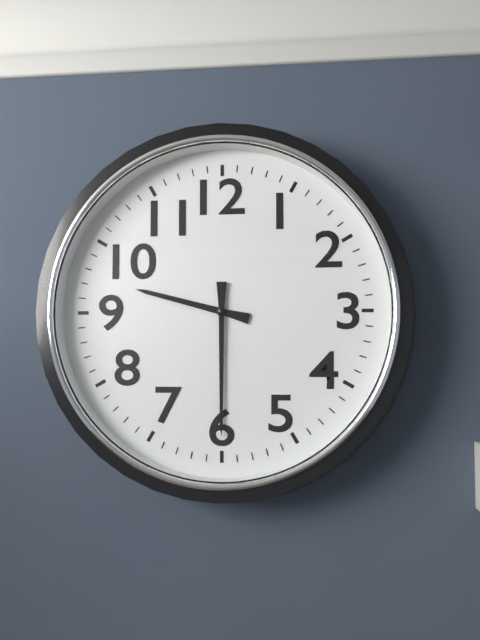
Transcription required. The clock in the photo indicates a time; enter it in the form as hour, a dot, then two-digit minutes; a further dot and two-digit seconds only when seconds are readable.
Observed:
9.30
